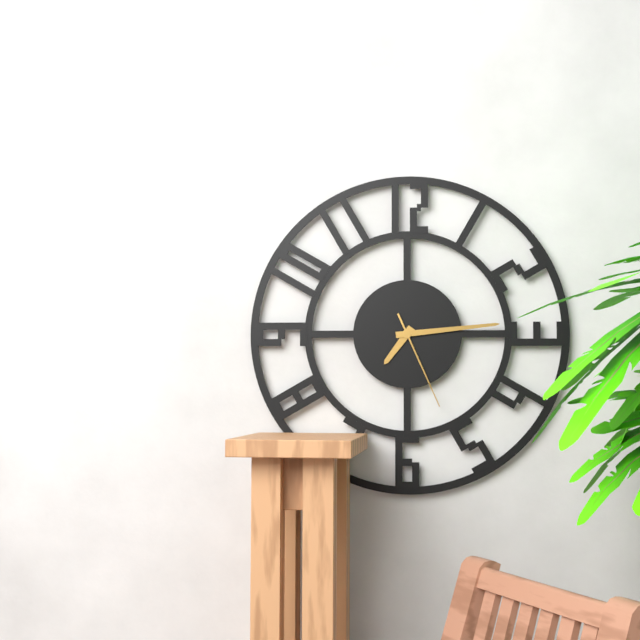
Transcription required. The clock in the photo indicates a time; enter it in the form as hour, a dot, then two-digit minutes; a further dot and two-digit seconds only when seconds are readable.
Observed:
7.14.26
